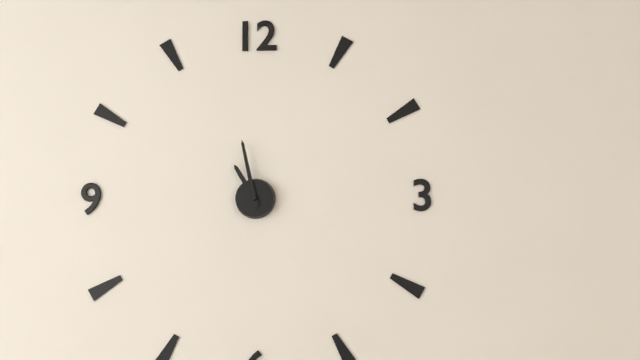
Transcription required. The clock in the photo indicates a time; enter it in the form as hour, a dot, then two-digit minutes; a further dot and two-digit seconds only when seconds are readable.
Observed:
10.58
